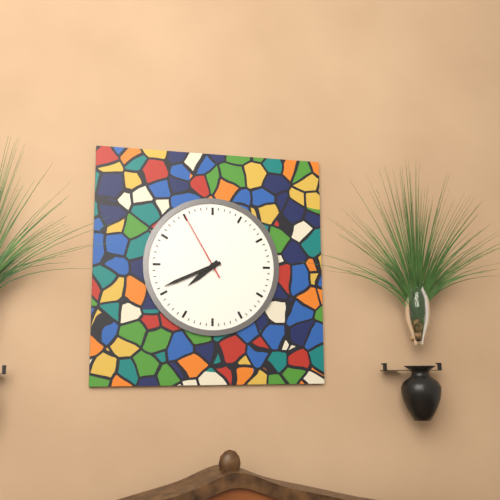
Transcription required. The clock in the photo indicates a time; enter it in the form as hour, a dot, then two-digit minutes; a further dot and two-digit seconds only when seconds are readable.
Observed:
7.41.55
